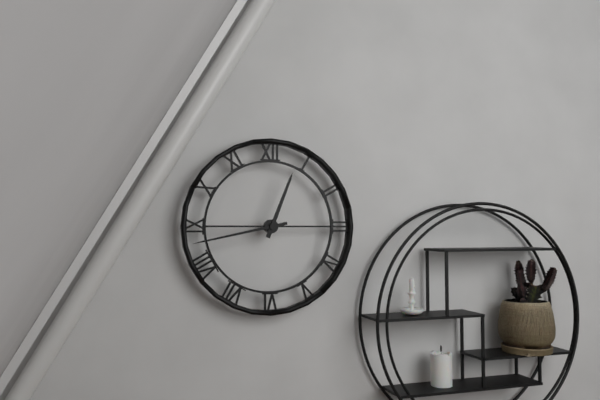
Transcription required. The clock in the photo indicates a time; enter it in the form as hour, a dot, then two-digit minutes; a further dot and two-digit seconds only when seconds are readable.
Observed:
12.43
